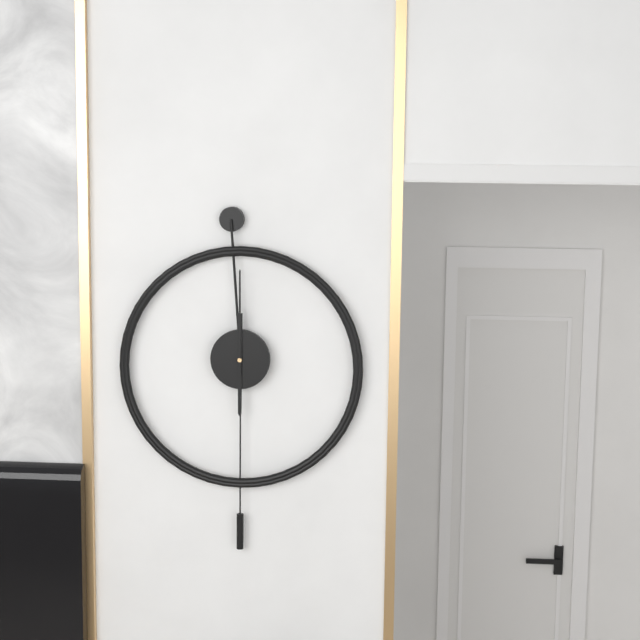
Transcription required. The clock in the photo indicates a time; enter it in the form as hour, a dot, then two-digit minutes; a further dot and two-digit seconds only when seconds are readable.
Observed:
6.00
